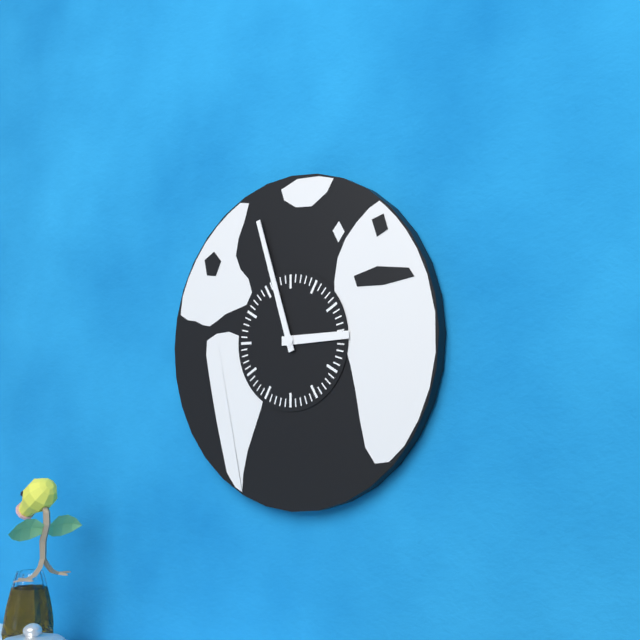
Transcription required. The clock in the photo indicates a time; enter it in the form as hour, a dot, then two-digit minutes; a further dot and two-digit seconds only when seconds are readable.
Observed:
2.57
